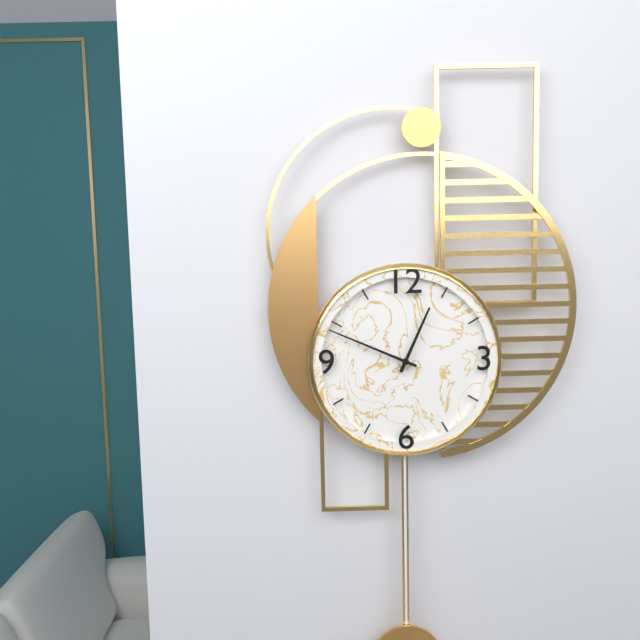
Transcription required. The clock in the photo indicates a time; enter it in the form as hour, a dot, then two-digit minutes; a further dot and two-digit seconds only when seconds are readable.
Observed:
12.49
